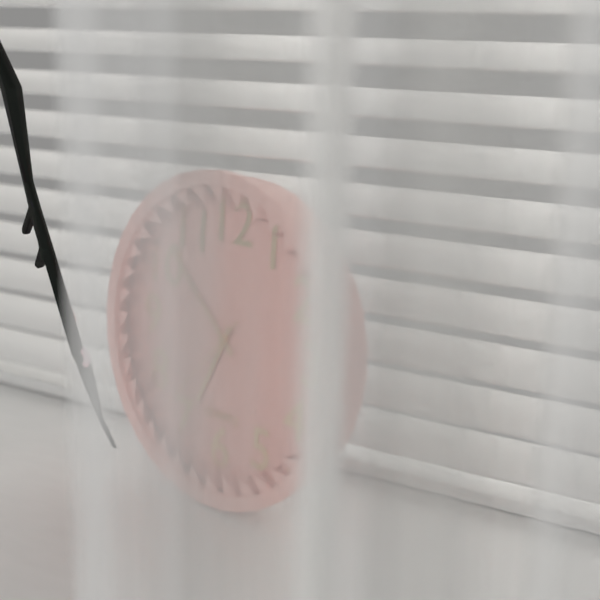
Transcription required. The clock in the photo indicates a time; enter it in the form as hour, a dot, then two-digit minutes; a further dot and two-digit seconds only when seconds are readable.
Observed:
6.52.37
